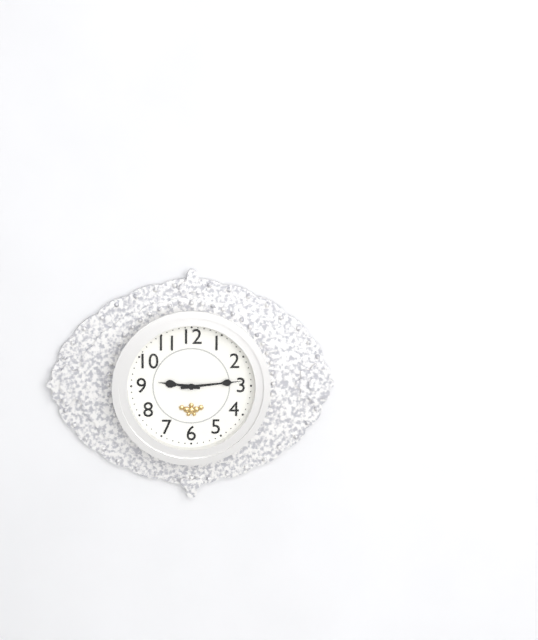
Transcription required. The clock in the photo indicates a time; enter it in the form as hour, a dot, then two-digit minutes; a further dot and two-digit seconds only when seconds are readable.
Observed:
9.14
